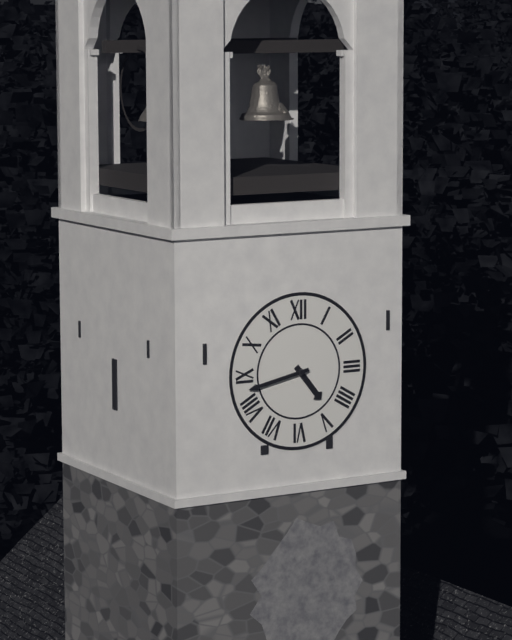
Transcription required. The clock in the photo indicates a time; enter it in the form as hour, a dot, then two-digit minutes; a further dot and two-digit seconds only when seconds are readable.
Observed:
4.43
